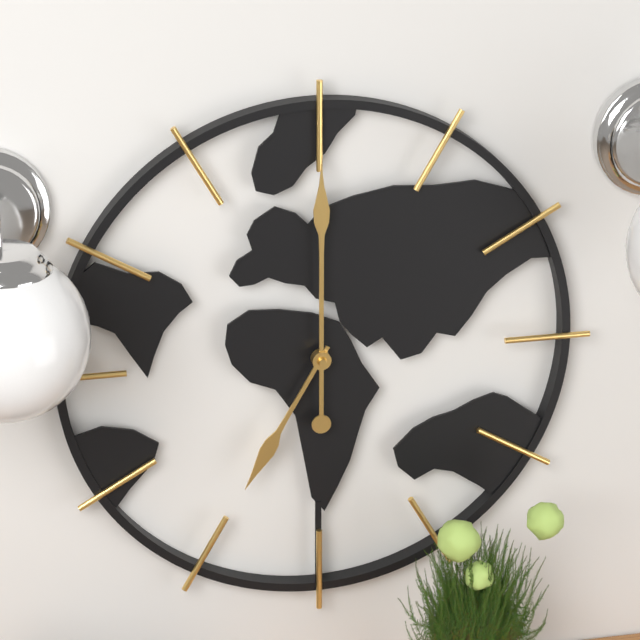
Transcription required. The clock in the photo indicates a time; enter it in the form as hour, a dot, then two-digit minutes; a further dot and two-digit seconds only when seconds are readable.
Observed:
7.00
